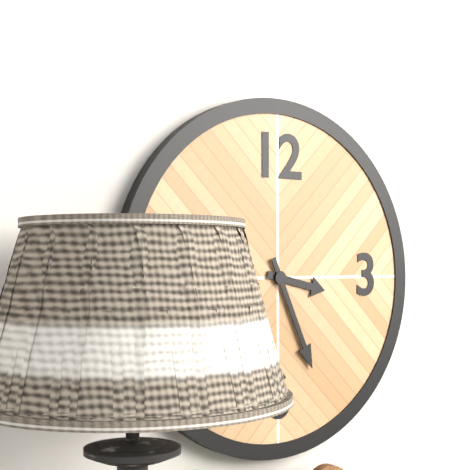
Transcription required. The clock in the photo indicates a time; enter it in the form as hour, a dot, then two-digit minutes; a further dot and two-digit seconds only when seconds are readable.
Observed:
3.26
